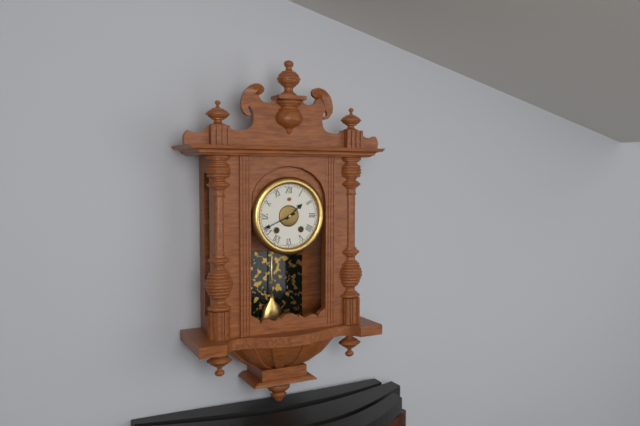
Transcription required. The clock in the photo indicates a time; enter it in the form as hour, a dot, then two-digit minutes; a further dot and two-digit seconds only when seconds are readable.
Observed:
1.41
